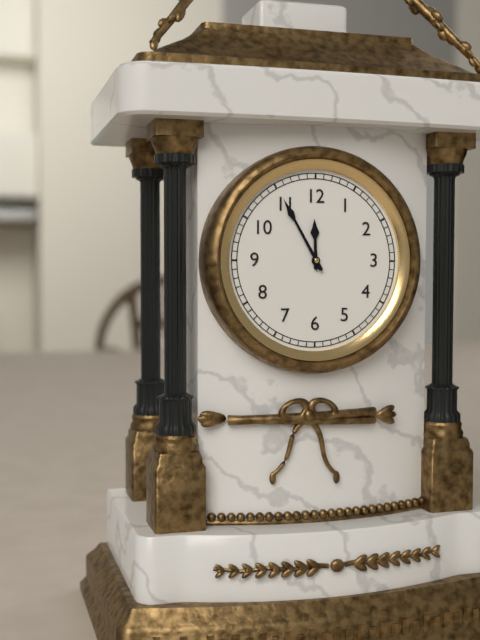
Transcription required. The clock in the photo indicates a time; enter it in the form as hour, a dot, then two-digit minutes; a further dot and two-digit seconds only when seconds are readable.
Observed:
11.55
